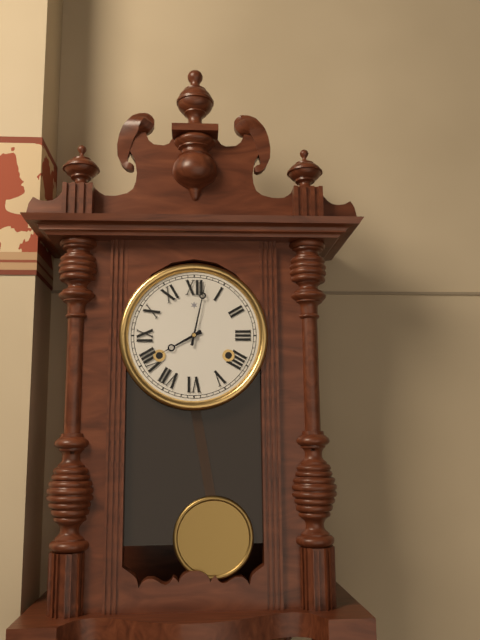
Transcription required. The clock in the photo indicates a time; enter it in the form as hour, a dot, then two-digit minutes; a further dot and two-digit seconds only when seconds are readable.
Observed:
8.02
